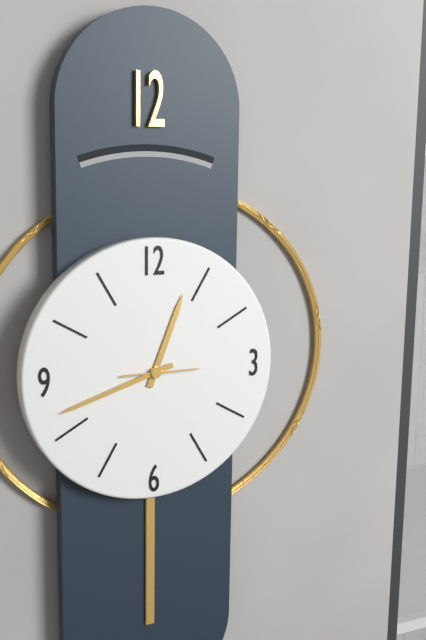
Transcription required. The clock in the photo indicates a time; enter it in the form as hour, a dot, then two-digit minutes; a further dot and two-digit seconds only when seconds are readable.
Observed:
12.42.15
